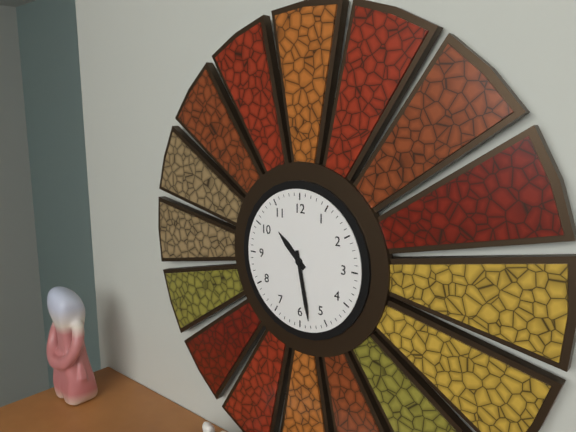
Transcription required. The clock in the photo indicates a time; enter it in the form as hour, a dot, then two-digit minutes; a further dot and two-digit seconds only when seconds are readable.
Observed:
10.28
